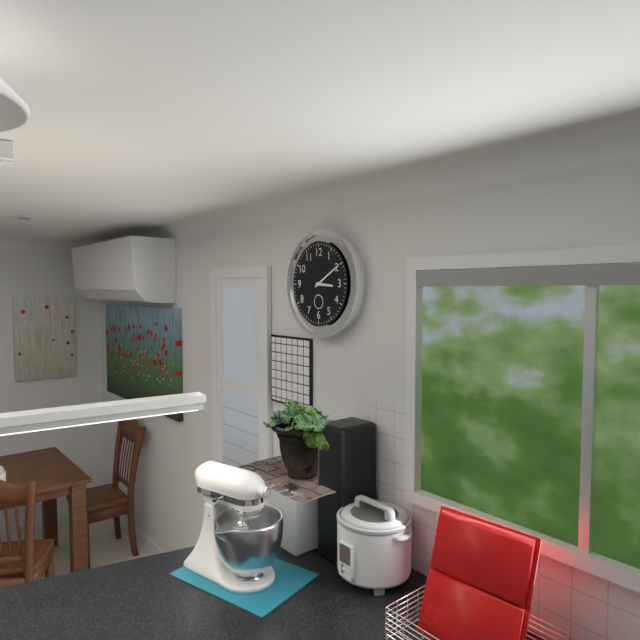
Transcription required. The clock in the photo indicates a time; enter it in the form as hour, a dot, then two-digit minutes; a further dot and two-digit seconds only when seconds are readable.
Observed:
3.10
